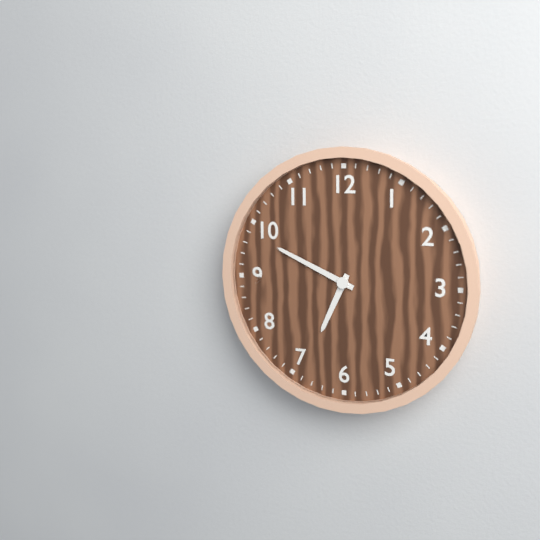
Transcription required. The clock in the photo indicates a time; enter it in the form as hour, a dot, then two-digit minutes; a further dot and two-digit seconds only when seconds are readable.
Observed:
6.49
